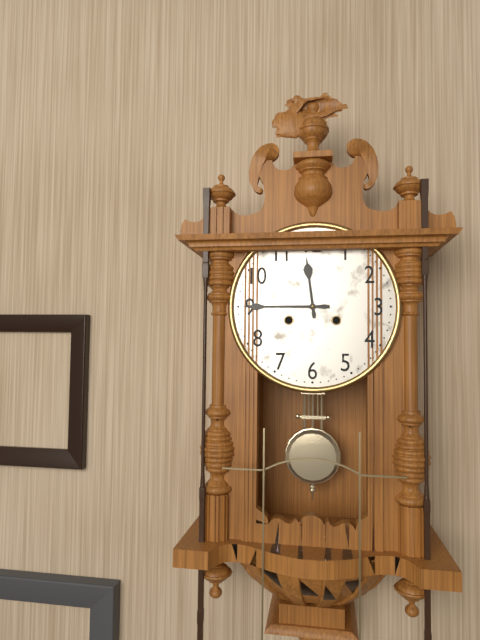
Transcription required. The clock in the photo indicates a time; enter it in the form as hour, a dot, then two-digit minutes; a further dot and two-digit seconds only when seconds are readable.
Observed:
11.45
